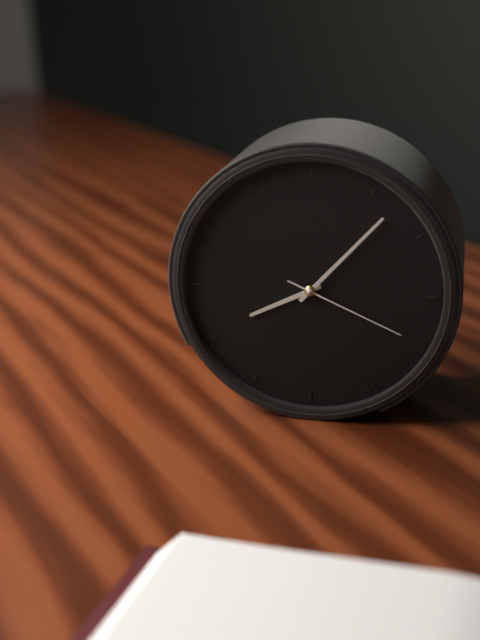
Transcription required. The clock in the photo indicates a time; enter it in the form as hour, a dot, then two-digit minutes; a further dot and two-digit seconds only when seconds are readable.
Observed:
8.07.19
